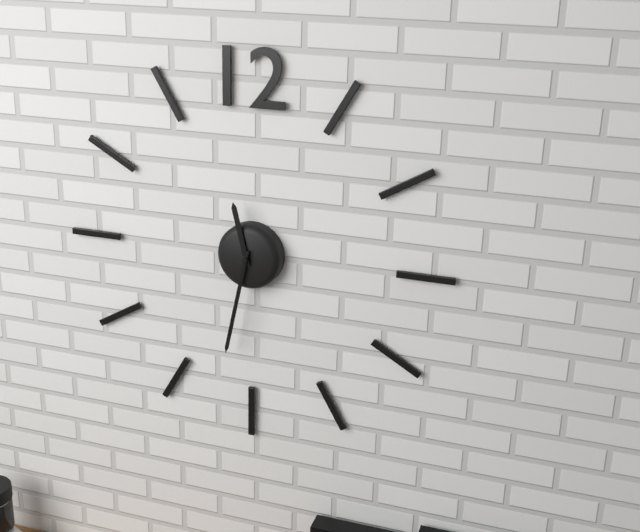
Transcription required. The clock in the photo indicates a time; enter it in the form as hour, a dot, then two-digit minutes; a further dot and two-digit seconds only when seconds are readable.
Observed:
11.32
